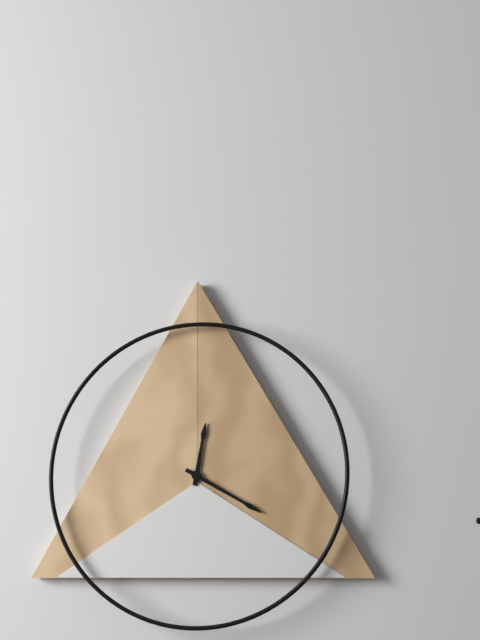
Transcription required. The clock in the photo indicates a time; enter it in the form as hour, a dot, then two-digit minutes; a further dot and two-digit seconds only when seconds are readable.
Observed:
12.20
